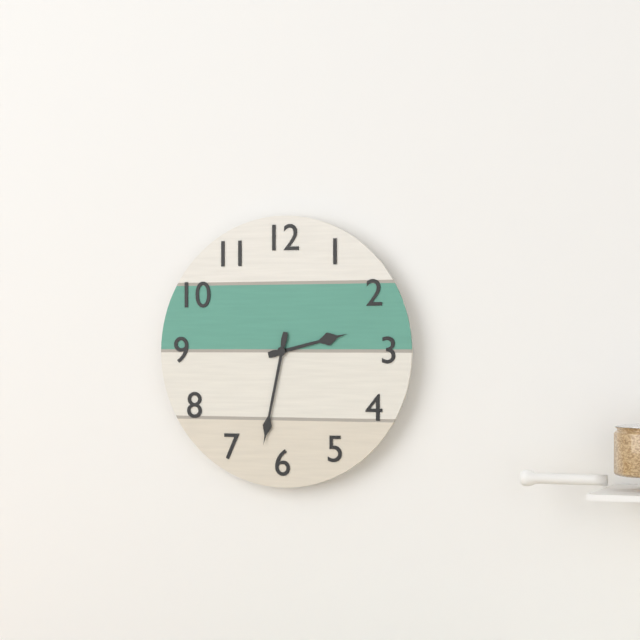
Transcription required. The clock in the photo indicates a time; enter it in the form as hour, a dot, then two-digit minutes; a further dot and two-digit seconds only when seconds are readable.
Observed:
2.32
